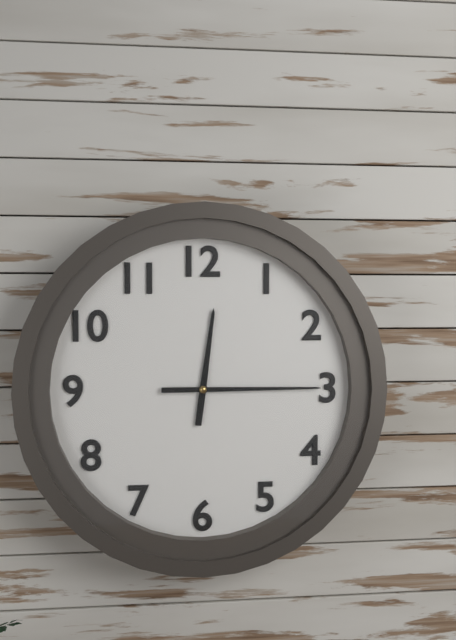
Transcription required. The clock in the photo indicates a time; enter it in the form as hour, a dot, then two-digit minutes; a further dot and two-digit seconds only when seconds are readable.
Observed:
12.15
